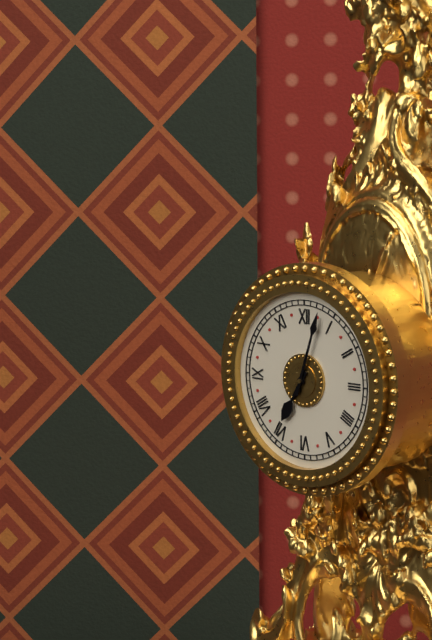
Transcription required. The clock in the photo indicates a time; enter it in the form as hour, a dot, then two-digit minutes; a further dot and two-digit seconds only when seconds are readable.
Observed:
7.03
